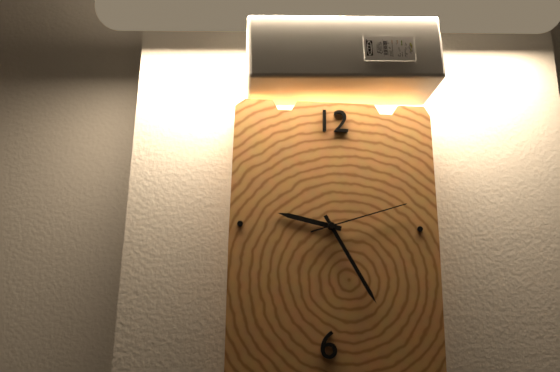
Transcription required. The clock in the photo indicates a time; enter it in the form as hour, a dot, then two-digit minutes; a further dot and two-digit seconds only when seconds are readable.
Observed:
9.25.12
